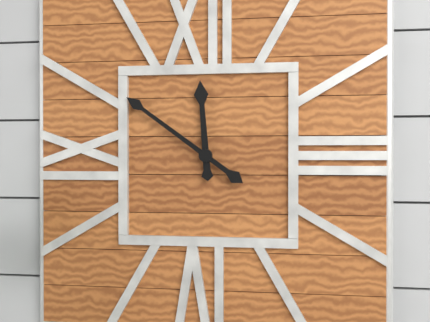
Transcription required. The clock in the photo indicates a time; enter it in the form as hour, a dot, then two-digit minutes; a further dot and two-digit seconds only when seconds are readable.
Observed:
11.51
